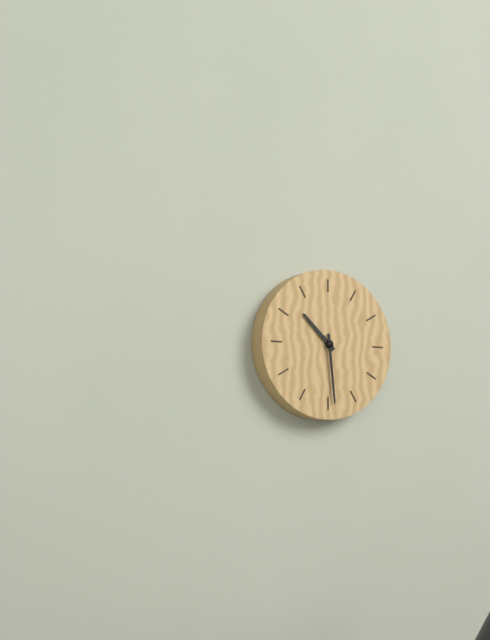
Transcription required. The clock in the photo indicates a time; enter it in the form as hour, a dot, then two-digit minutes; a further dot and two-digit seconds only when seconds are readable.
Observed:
10.29
